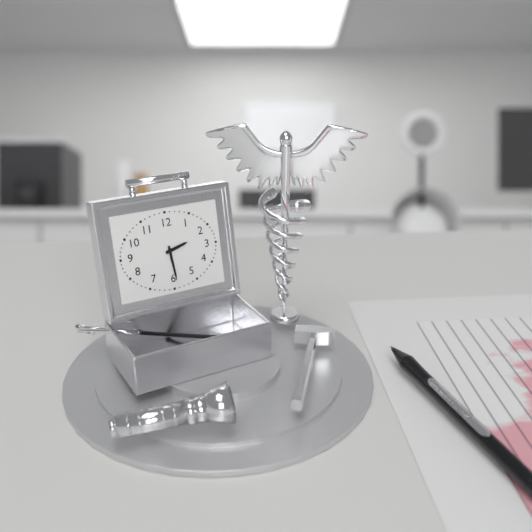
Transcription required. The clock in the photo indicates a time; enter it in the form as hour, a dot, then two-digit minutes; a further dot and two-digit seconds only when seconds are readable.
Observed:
2.29
